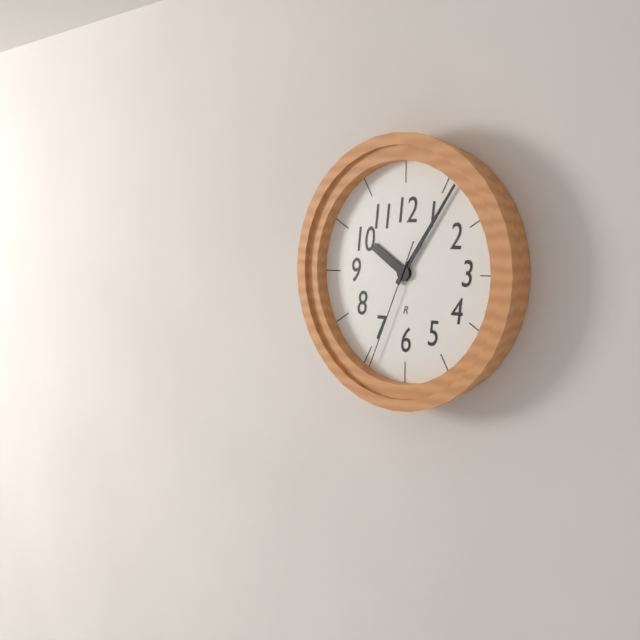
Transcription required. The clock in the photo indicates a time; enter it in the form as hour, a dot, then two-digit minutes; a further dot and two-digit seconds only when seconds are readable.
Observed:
10.06.34
